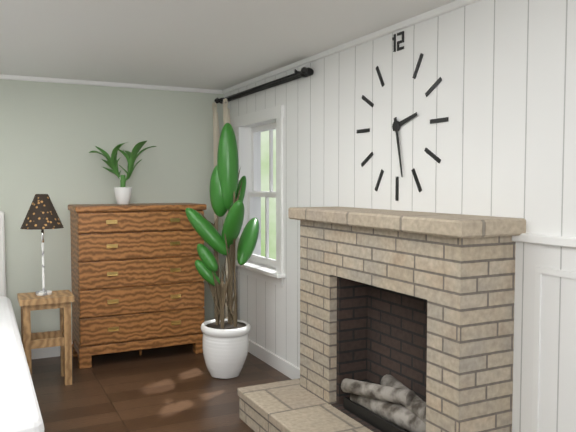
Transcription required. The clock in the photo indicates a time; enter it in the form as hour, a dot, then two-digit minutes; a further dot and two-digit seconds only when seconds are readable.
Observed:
2.28
